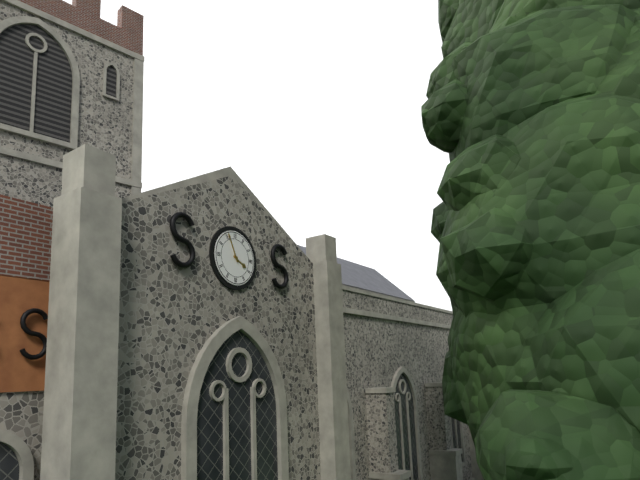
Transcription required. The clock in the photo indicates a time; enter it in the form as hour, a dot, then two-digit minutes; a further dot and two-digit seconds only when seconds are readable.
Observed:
3.56
